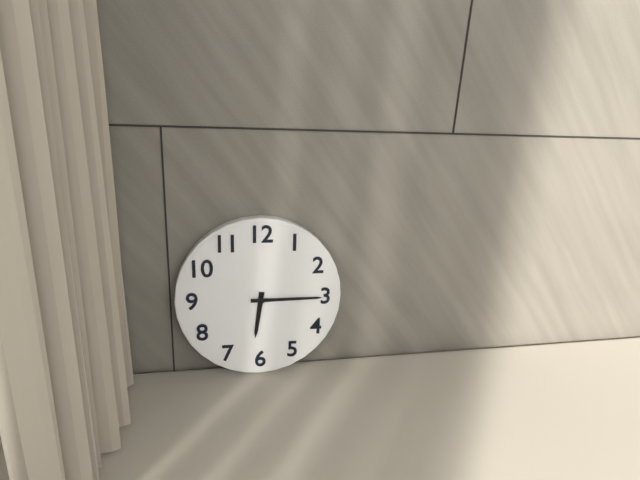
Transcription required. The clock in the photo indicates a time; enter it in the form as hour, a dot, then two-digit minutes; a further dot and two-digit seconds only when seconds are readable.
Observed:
6.15
